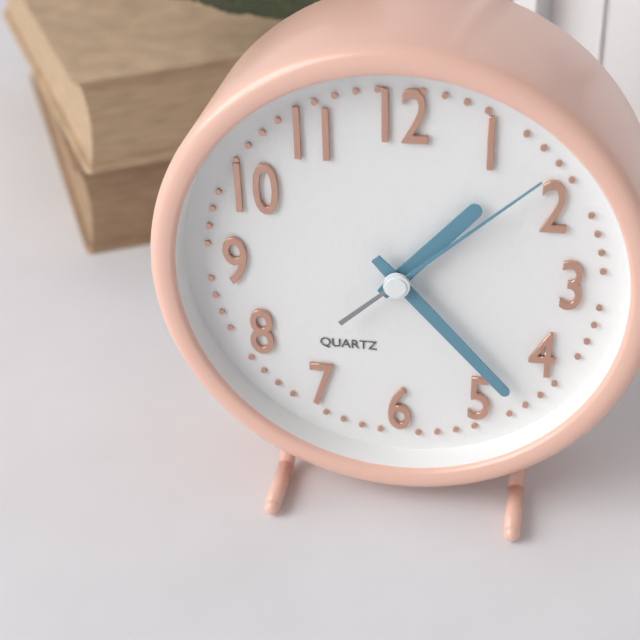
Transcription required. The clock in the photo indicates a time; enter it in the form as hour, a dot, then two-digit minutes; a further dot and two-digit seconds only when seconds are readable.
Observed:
1.23.08
